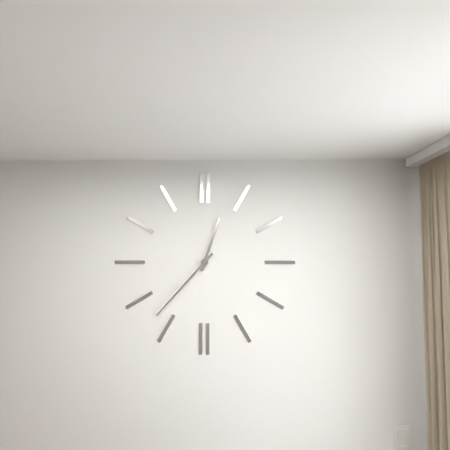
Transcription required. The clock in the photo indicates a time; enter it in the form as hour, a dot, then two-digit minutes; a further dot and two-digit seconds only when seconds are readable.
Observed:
12.37
